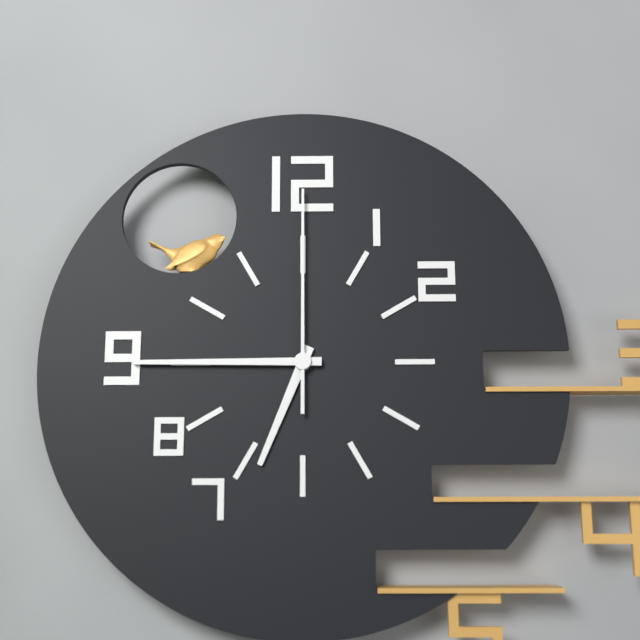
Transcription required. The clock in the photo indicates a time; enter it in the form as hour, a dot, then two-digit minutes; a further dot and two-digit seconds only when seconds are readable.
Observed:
6.45.00
